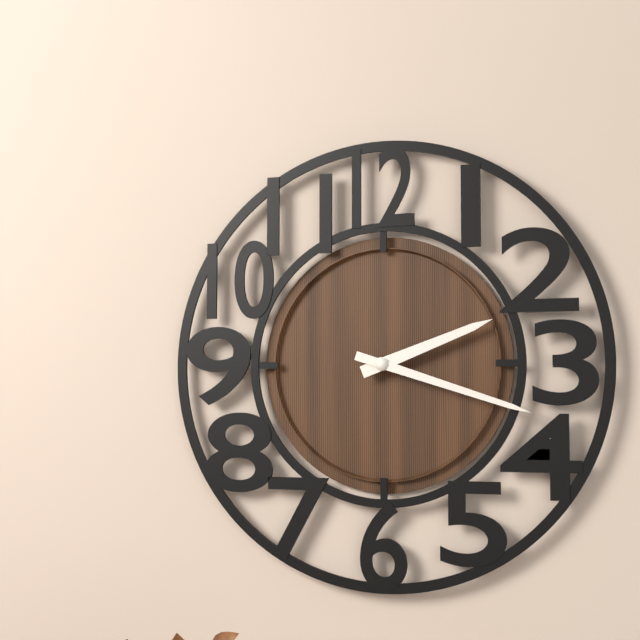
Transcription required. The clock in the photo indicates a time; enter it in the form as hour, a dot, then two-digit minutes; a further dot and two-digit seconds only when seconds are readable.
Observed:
2.18
